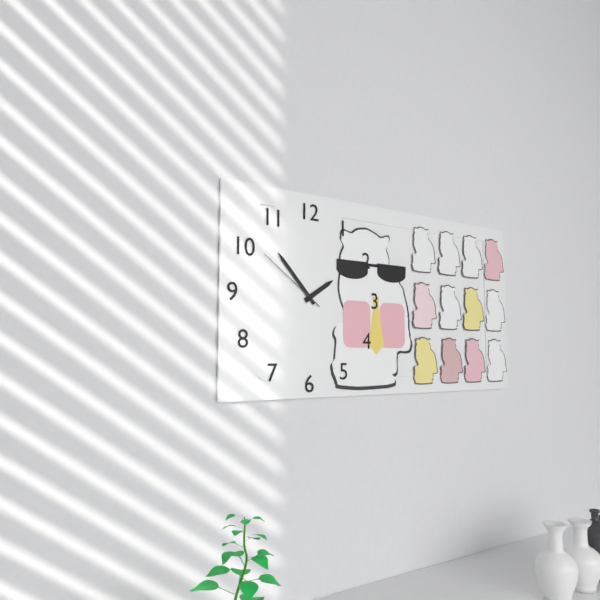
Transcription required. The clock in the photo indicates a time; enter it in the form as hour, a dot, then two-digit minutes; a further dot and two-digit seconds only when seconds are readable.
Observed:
1.53.51
